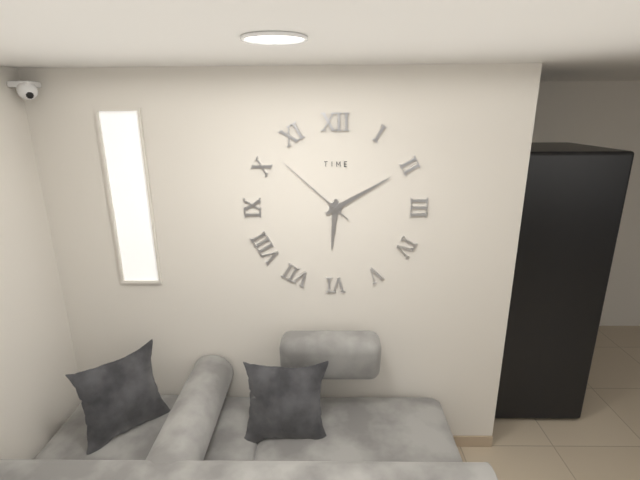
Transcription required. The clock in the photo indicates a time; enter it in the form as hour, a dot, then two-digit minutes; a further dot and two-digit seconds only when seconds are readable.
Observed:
6.10.52
